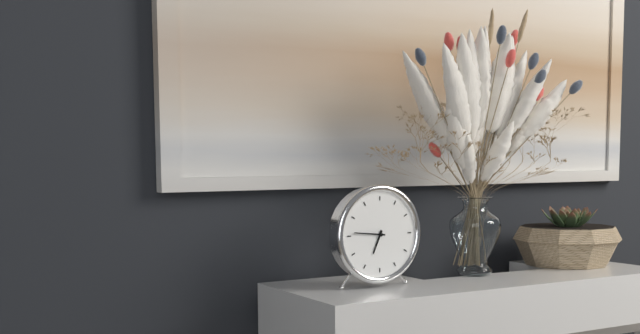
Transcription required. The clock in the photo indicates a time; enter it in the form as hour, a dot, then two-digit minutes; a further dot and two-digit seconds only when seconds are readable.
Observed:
6.46
